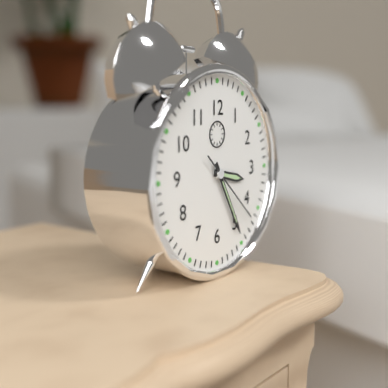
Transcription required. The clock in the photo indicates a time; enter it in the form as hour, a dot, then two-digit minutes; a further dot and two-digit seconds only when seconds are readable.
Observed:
3.25.22
